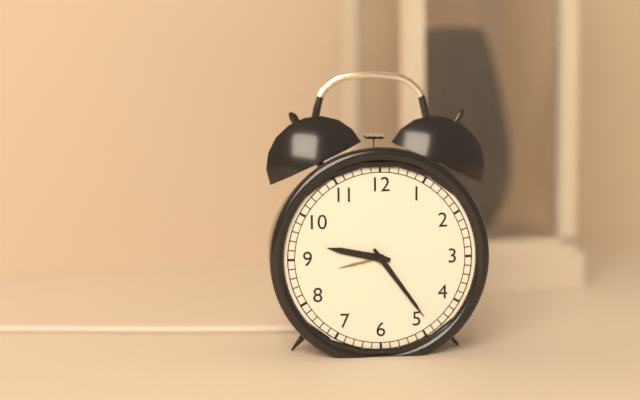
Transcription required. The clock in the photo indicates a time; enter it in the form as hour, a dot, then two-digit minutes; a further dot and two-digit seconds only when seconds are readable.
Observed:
9.24
